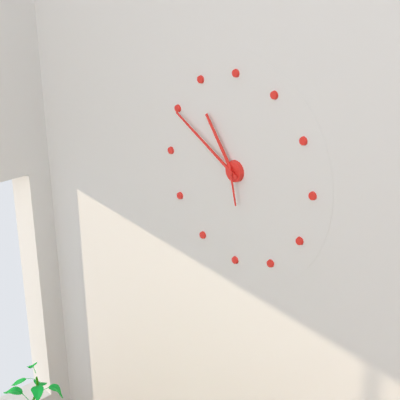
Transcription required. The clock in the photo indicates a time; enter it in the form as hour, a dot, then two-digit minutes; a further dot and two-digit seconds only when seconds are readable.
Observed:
10.50
